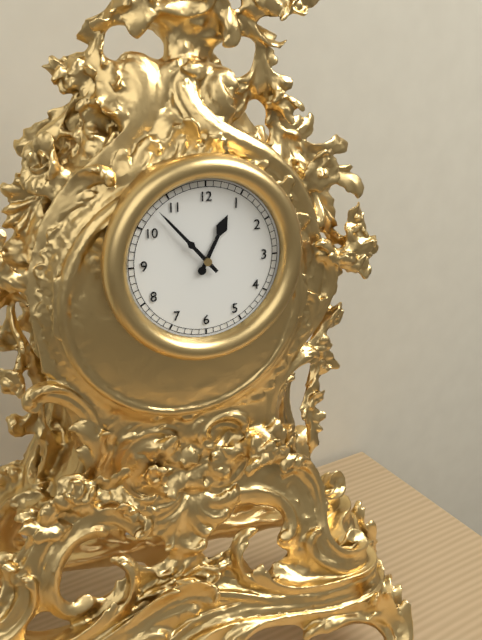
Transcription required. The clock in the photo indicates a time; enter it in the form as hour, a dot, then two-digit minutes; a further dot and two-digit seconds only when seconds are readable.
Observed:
12.53
